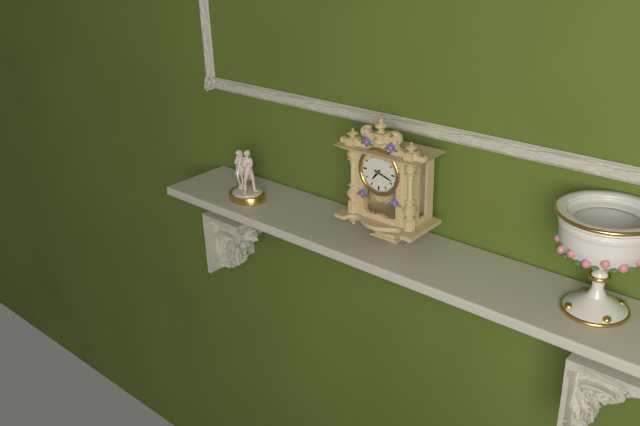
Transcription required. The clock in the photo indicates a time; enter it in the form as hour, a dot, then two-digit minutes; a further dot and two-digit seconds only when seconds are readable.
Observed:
7.18
